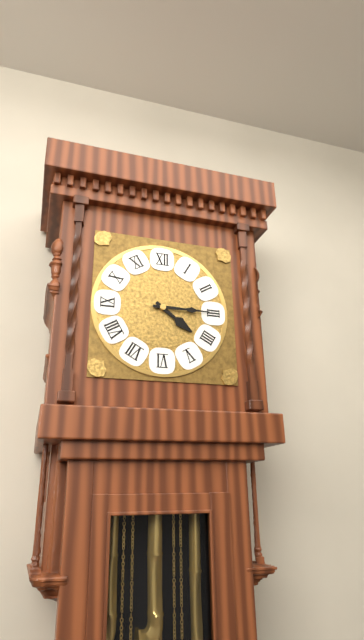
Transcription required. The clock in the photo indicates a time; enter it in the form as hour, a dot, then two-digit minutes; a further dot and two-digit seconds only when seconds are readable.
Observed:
4.15
